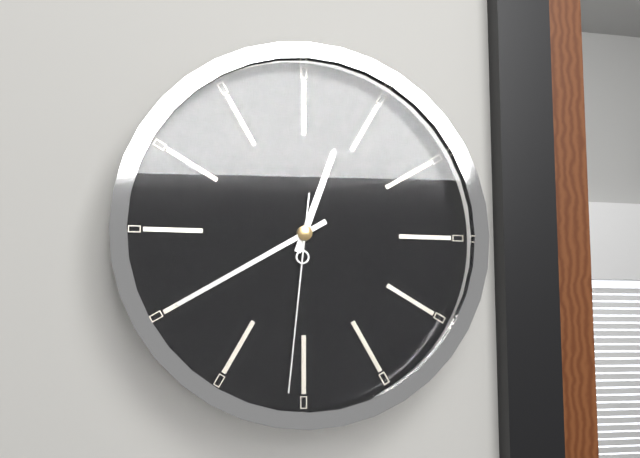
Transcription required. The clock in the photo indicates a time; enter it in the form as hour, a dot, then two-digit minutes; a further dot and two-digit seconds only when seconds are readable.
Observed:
12.40.31
